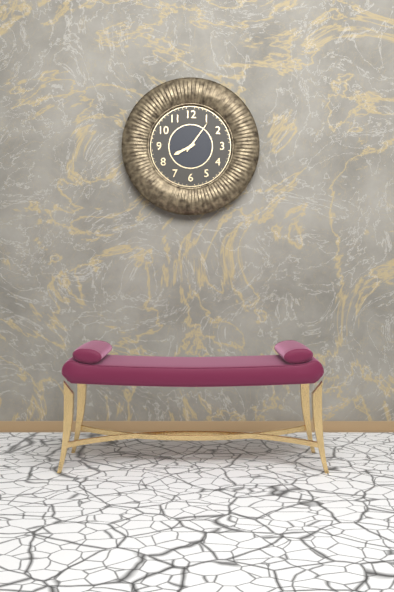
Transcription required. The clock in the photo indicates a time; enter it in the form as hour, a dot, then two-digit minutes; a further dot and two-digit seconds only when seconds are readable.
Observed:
8.06
